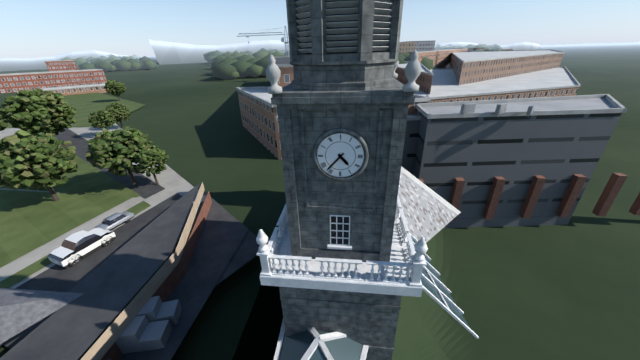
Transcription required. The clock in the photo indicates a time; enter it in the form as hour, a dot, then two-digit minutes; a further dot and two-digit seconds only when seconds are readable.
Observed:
4.37
